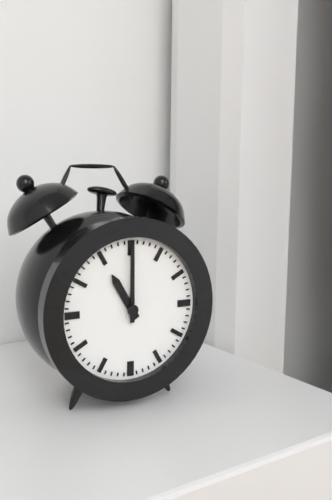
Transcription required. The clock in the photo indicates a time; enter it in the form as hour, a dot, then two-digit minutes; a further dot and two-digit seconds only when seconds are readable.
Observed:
11.00
